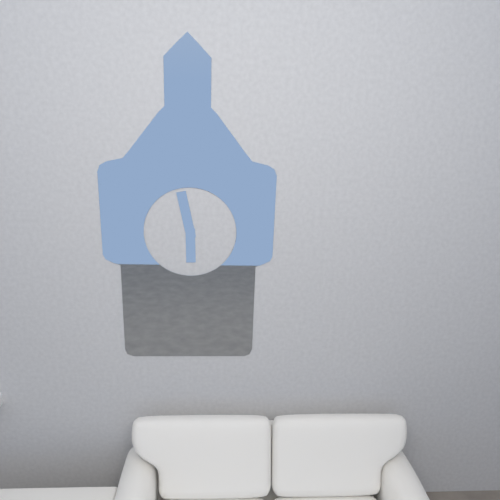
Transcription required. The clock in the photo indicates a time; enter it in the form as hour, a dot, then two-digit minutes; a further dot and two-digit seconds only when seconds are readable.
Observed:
5.58
